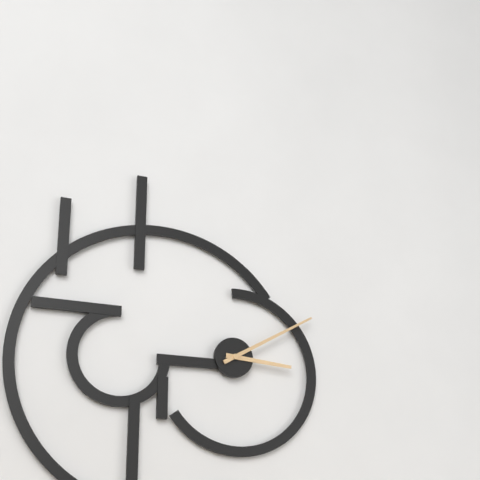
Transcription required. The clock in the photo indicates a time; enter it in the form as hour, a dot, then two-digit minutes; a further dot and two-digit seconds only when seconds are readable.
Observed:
3.10
